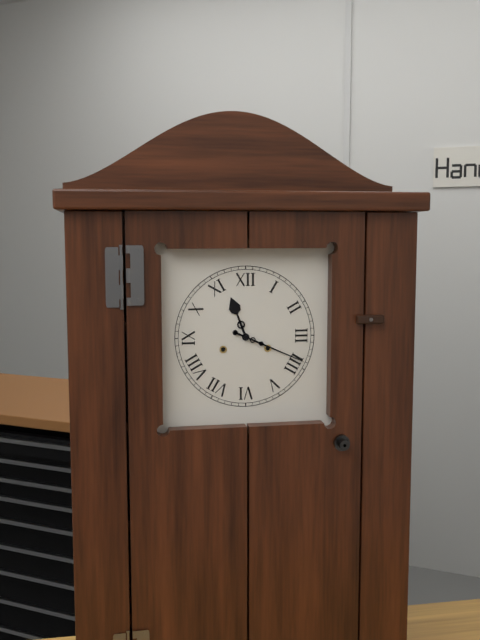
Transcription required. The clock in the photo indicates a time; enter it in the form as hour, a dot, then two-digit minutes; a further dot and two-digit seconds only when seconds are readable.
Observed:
11.19
